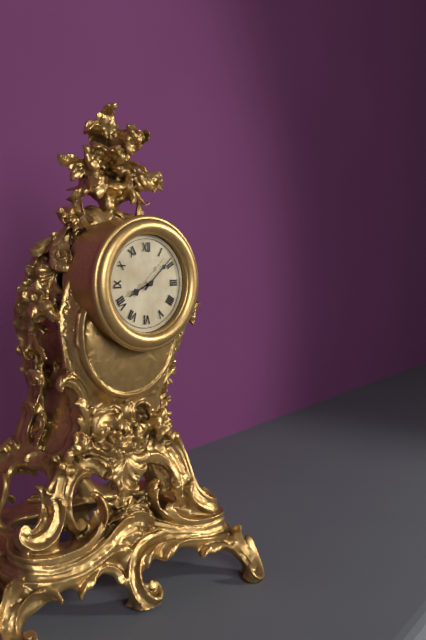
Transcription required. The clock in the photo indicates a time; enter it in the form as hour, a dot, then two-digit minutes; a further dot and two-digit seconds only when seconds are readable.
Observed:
8.08
